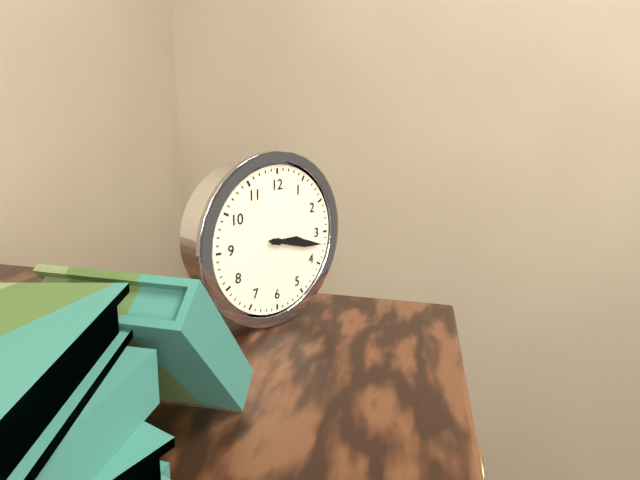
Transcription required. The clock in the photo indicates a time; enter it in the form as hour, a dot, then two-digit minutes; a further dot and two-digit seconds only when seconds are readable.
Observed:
3.17
